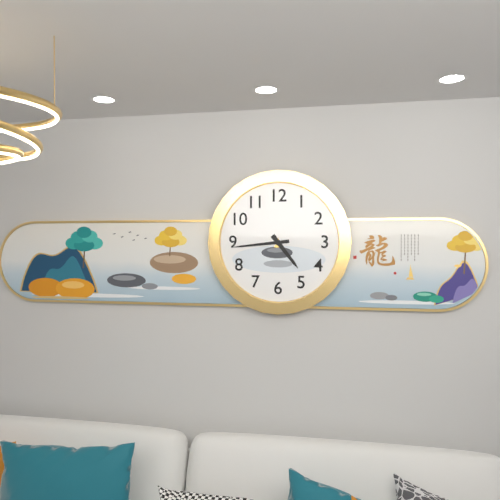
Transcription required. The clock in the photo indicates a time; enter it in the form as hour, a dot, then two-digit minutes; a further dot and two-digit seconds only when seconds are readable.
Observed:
4.44
